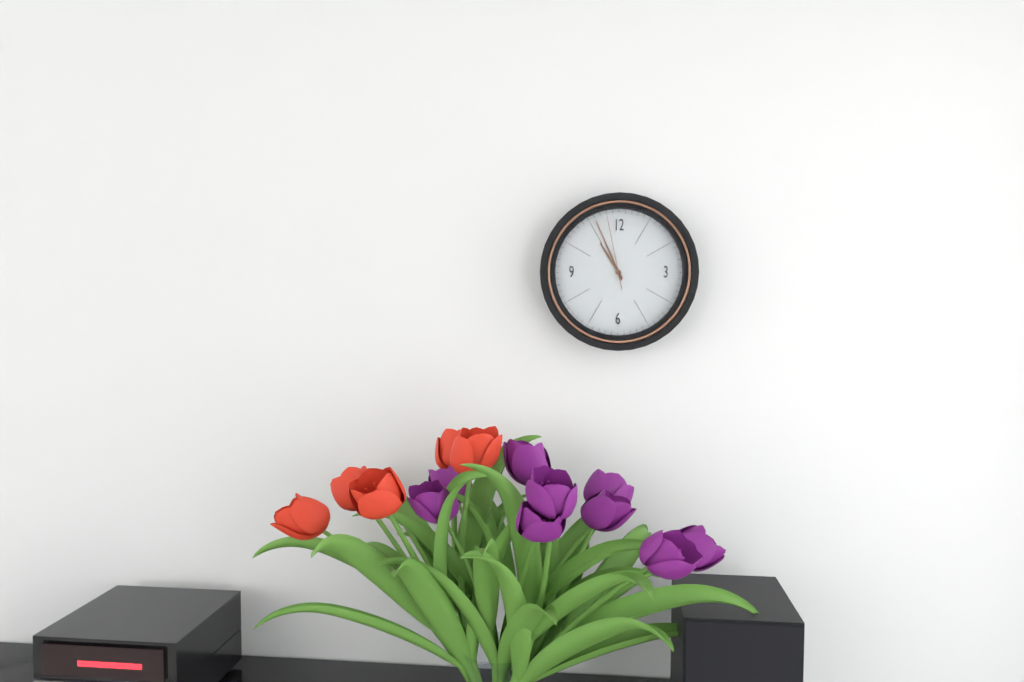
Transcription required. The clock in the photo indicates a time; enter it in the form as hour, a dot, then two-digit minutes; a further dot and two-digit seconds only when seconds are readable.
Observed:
10.56.58
